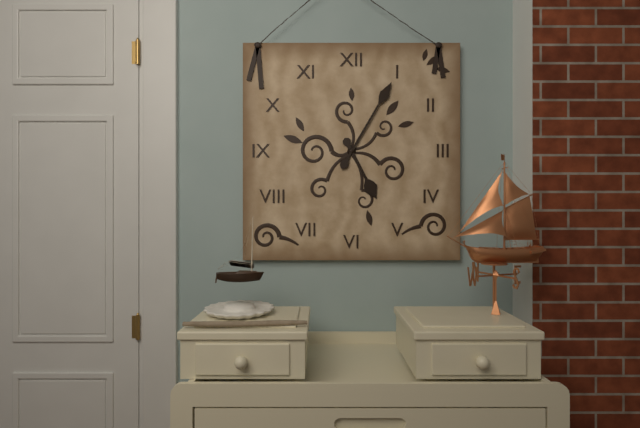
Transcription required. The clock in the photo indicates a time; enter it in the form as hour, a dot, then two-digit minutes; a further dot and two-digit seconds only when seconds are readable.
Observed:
5.05
